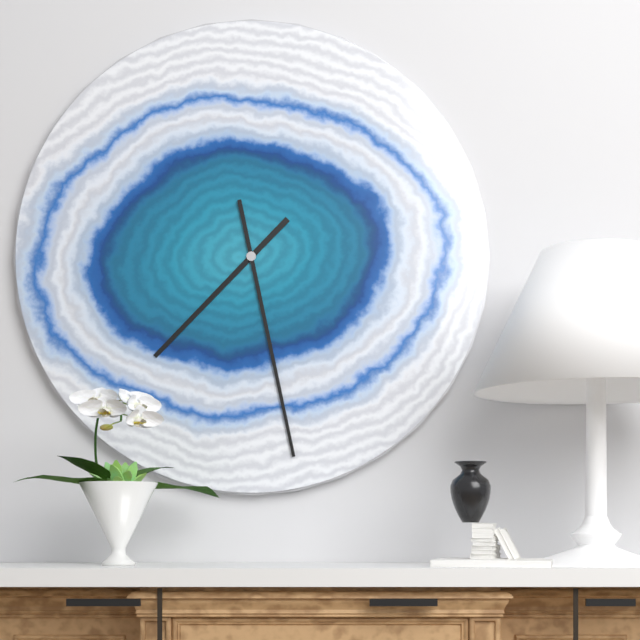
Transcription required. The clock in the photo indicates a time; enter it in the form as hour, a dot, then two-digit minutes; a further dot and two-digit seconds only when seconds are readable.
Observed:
7.28
